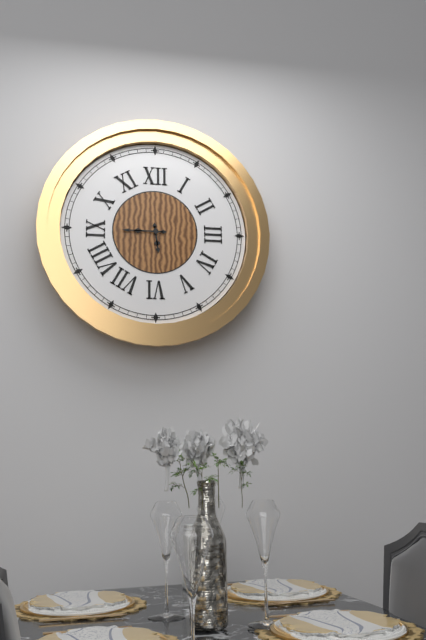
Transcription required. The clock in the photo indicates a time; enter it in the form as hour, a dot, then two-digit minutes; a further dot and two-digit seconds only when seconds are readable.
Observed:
5.45
